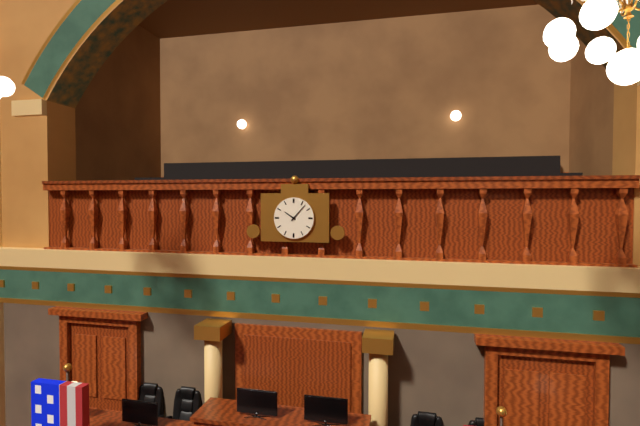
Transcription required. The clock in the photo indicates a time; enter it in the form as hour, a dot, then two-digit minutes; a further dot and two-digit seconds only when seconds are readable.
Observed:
10.07
